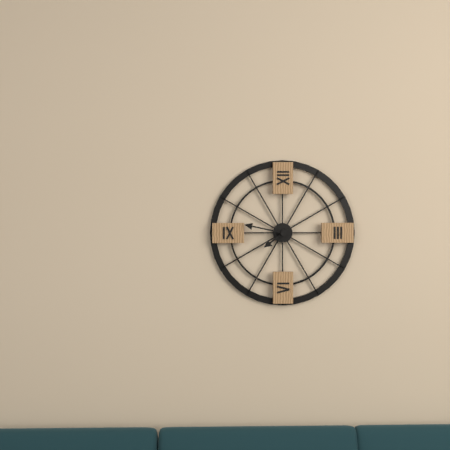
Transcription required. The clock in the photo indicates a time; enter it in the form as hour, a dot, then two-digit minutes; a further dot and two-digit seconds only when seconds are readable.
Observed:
7.47
